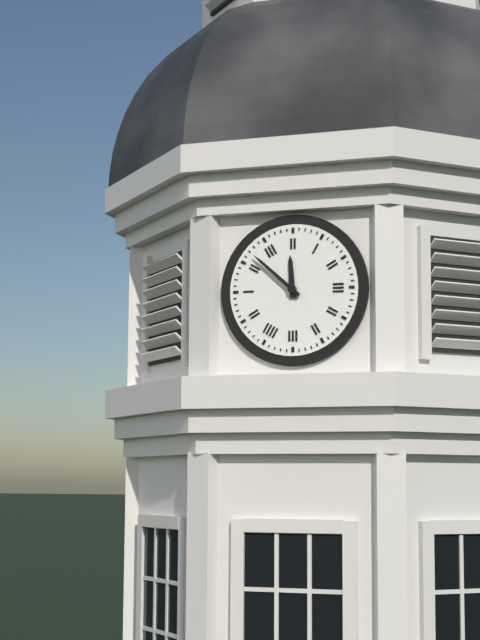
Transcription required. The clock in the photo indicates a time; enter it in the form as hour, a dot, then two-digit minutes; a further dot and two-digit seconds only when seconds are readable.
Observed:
11.52
